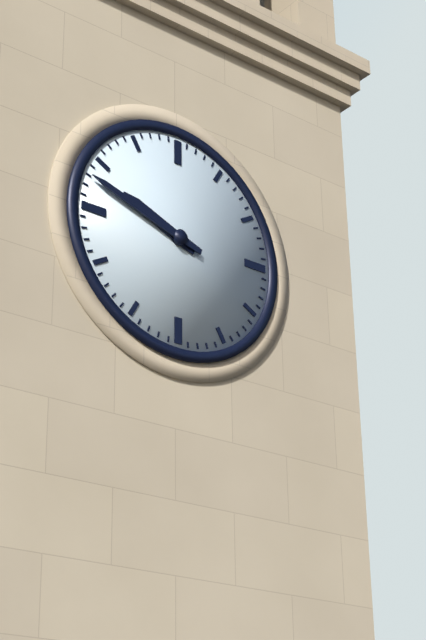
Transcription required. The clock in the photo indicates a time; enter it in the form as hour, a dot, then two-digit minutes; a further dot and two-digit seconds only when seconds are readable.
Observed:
9.48
